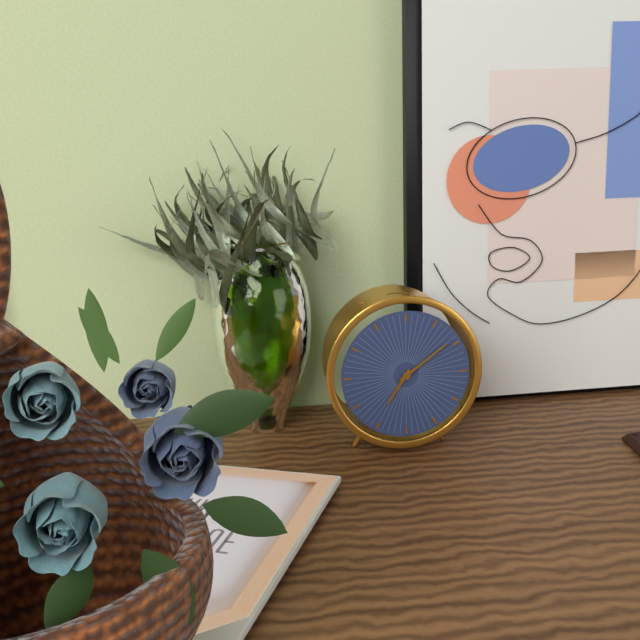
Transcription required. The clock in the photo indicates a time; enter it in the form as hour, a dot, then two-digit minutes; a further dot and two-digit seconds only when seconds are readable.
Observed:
7.09
